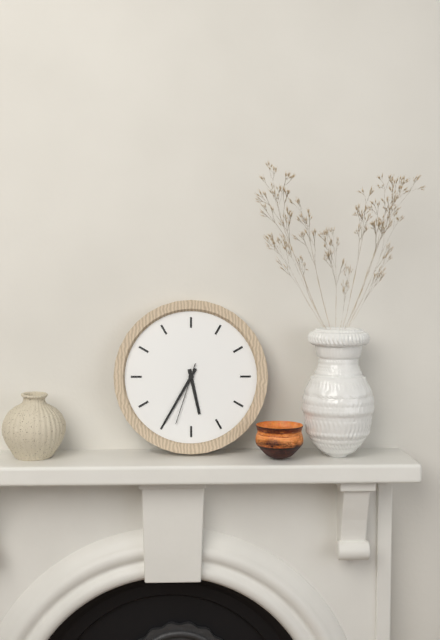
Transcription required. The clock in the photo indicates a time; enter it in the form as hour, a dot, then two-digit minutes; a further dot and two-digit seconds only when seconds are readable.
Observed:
5.35.33
